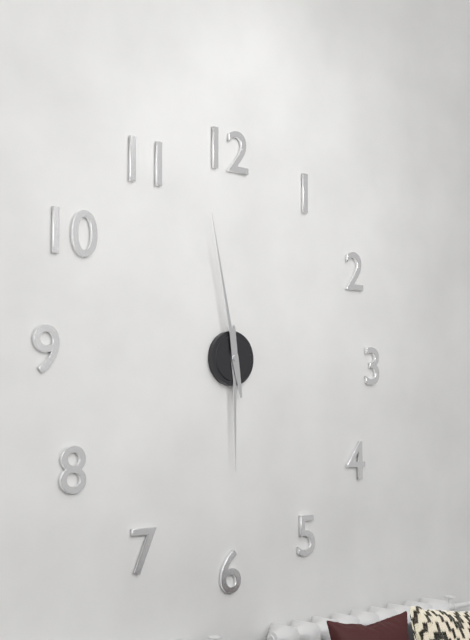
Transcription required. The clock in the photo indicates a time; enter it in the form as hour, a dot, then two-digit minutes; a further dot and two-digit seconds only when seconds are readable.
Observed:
5.58
